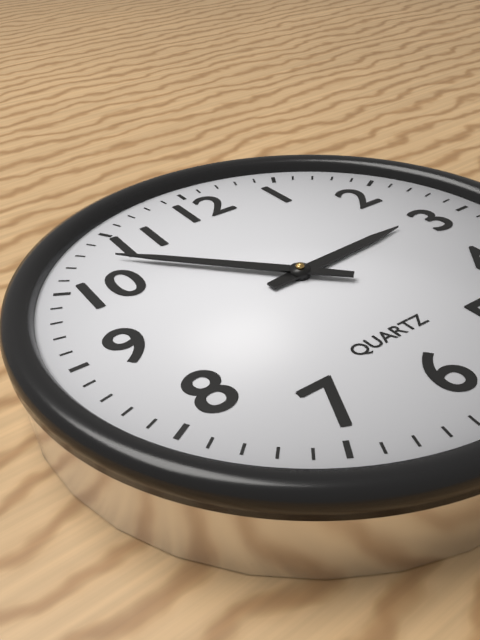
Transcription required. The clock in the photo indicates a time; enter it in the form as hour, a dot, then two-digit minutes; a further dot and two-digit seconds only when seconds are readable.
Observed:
2.53
